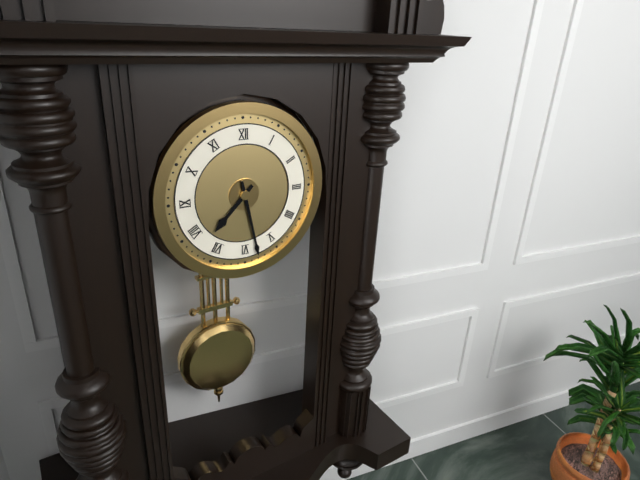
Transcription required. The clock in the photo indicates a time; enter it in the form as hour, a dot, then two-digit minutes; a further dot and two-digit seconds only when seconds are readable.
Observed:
7.28
